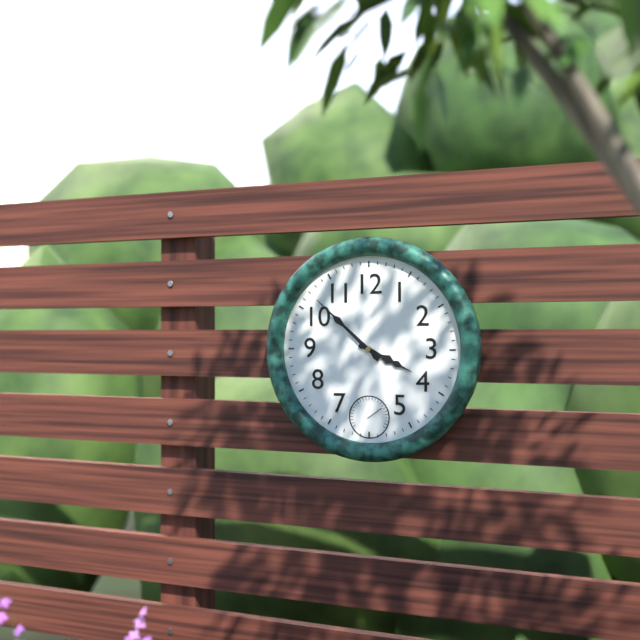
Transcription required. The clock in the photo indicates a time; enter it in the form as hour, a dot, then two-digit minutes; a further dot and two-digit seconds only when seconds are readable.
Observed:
3.52
